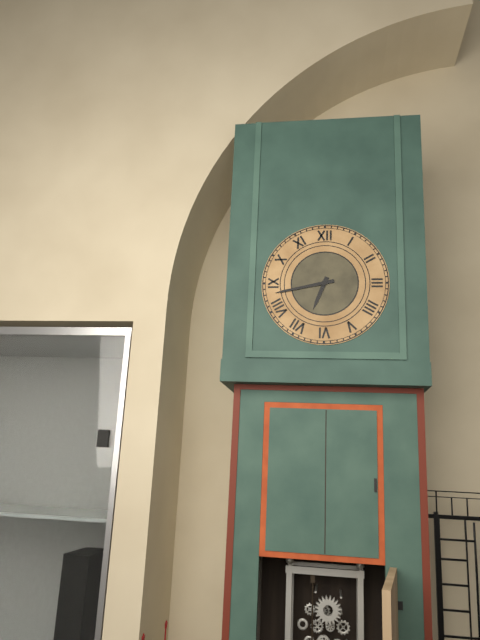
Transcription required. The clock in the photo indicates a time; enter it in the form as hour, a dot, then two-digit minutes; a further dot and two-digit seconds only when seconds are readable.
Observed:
6.43
